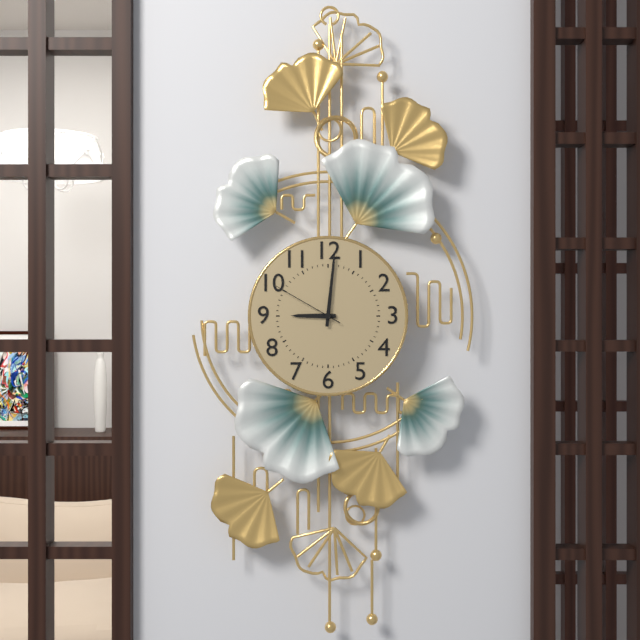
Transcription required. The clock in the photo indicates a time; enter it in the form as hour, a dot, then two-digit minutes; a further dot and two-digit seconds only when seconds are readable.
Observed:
9.01.50
